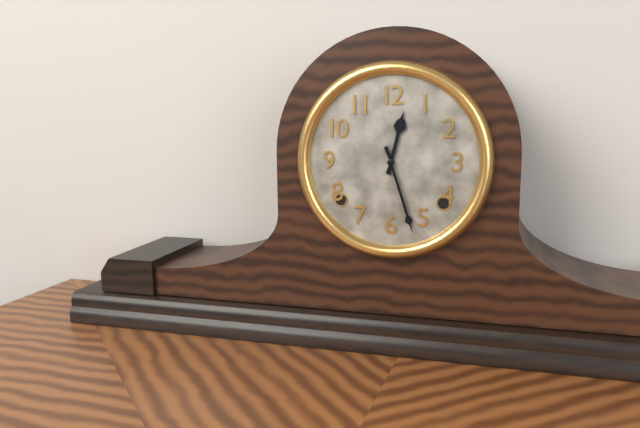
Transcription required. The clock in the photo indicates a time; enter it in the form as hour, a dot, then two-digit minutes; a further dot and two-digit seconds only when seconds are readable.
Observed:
12.27
